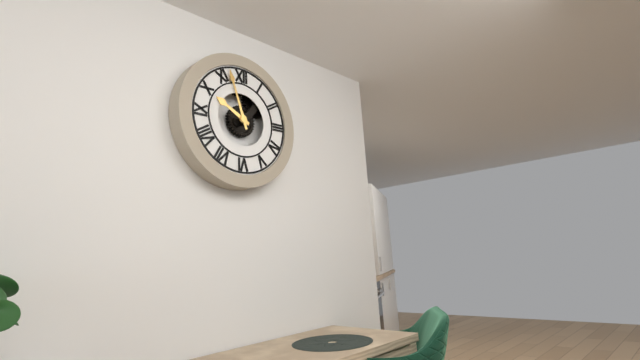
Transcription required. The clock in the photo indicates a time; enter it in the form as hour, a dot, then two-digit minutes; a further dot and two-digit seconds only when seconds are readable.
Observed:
9.57
